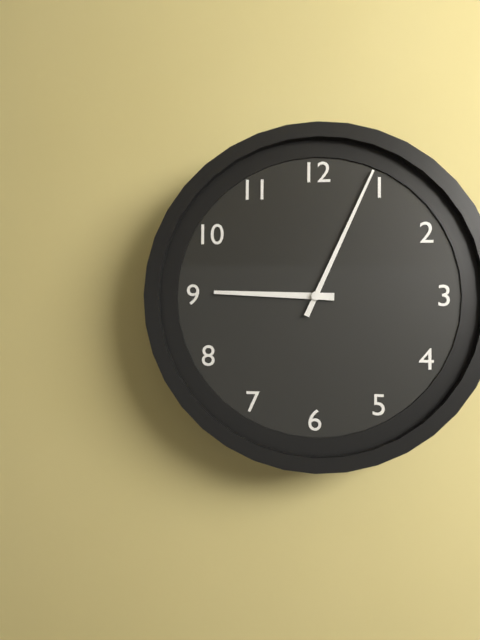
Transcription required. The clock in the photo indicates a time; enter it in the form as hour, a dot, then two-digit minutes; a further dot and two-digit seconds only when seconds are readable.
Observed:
9.04
